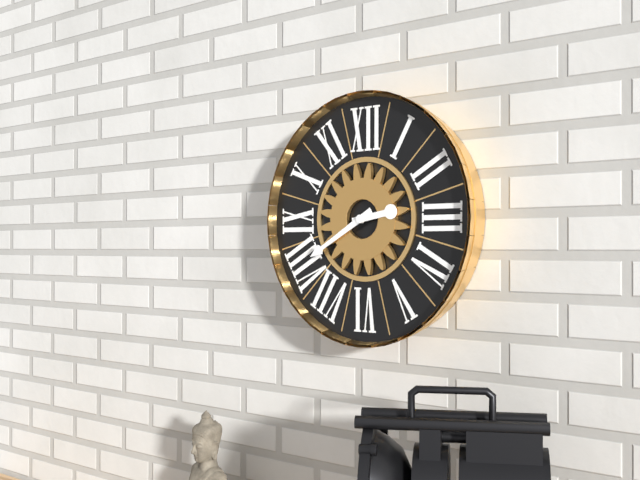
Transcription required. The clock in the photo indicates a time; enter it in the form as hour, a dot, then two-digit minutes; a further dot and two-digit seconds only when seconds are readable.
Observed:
2.40
